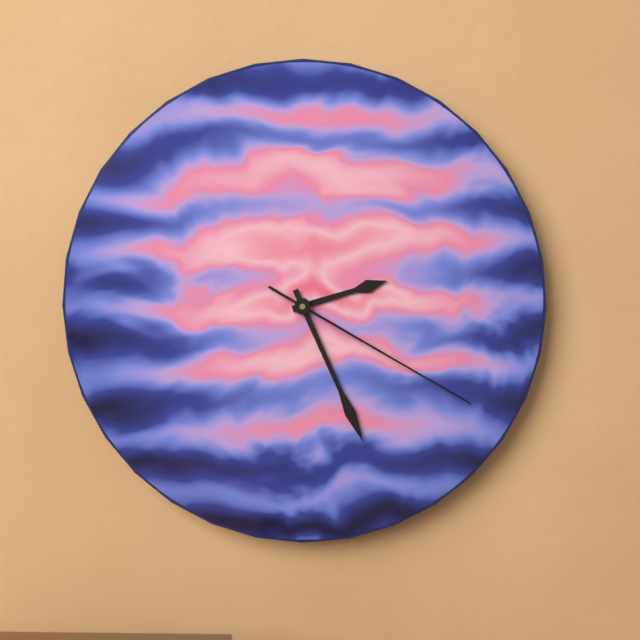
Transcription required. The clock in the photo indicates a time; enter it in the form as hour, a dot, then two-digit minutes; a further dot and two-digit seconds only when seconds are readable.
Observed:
2.26.20
